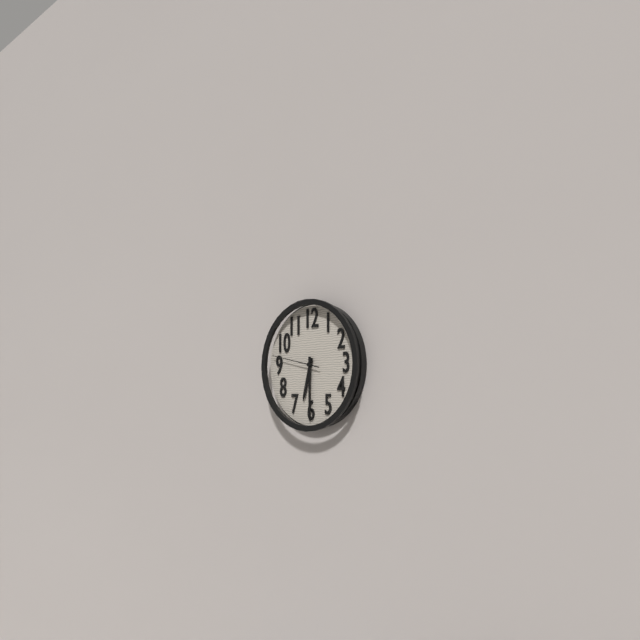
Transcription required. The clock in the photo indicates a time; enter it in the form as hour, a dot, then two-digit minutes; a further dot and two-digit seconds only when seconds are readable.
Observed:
6.30.47
